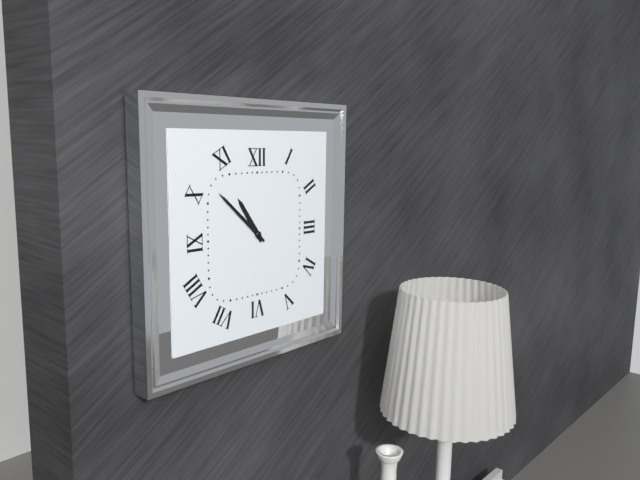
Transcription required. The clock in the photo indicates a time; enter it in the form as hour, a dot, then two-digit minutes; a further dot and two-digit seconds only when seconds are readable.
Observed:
10.52
